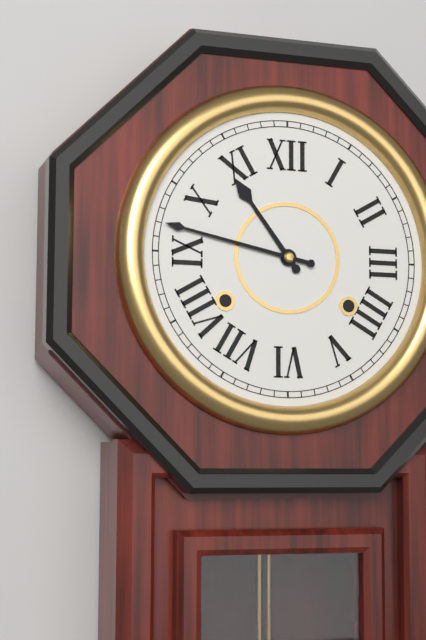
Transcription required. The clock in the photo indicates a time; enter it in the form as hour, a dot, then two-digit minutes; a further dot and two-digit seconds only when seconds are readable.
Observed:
10.47
